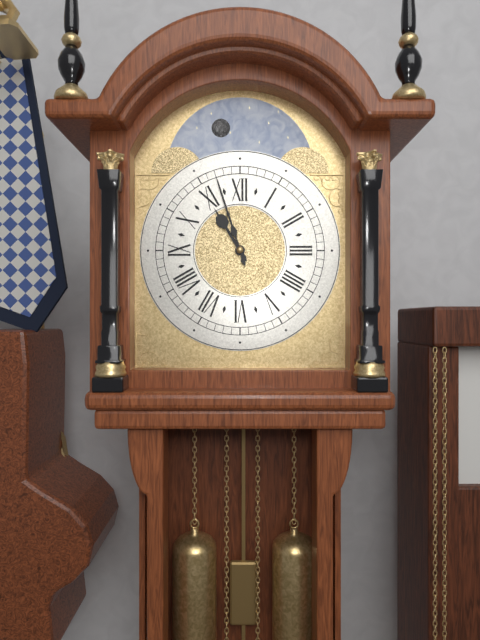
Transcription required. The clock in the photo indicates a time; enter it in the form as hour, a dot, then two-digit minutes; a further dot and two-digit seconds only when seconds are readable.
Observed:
10.57
